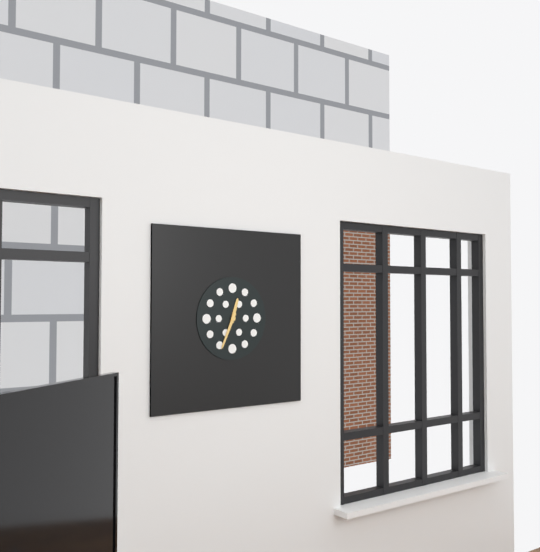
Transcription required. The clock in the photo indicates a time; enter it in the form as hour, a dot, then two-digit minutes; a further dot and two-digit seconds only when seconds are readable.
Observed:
12.34
